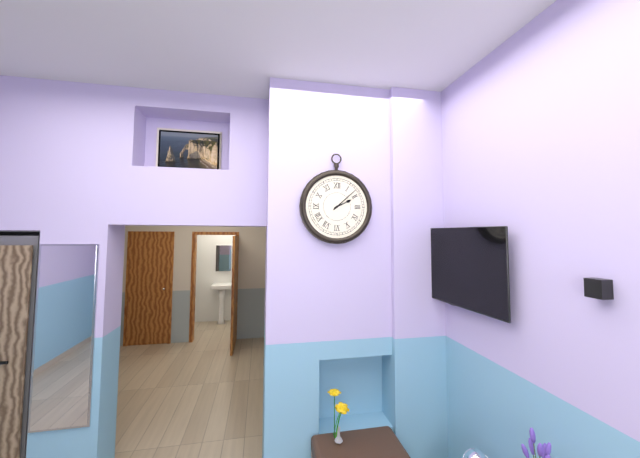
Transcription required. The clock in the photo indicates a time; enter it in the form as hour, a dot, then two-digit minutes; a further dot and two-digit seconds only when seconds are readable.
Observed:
2.08
